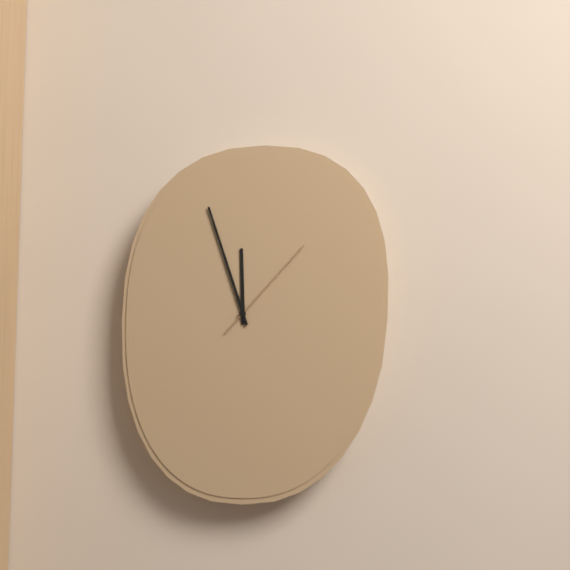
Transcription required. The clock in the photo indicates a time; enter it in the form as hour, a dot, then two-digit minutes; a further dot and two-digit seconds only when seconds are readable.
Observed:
11.57.07
